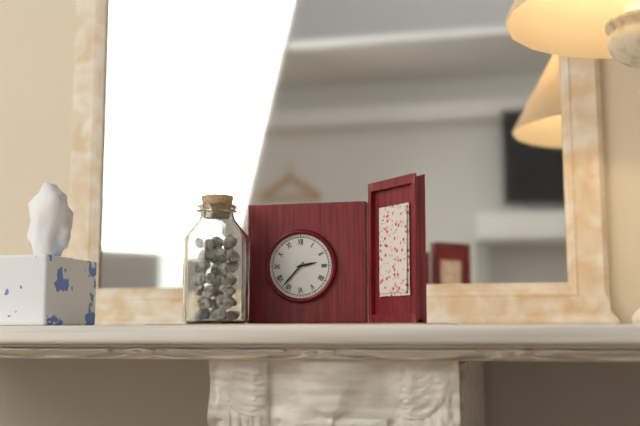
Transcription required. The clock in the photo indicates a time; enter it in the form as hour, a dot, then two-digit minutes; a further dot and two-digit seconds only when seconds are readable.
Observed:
2.37
